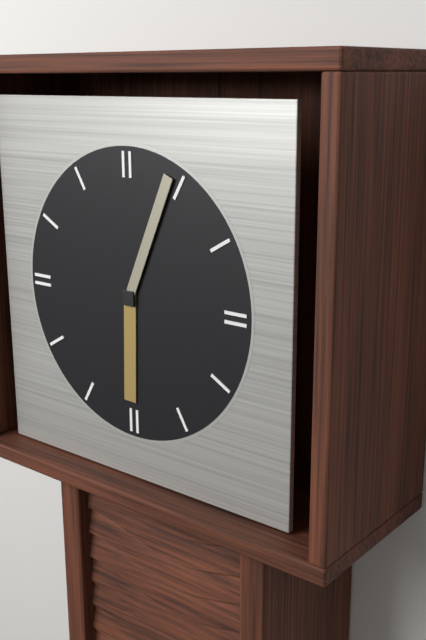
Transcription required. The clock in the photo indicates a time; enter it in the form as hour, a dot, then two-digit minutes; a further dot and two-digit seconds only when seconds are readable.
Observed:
6.04
